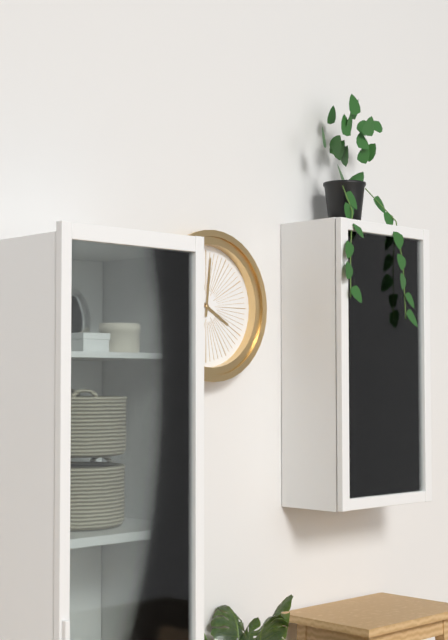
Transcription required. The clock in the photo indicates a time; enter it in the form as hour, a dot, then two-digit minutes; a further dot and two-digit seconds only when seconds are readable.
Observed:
4.01
